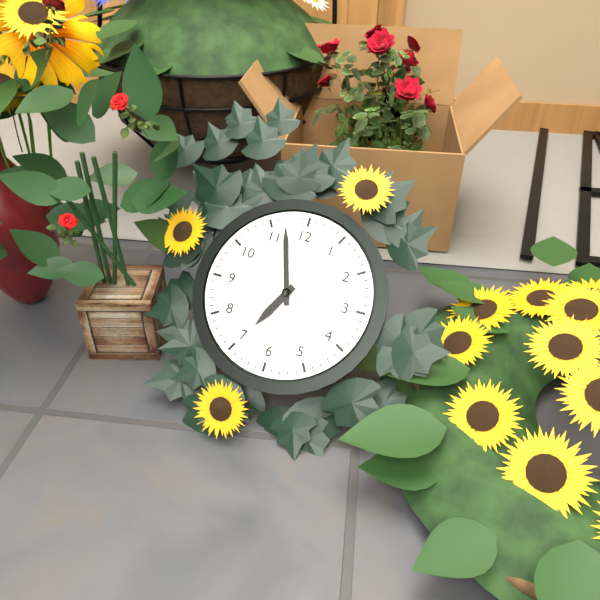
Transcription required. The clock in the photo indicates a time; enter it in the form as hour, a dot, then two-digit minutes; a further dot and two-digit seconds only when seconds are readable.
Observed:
6.57
